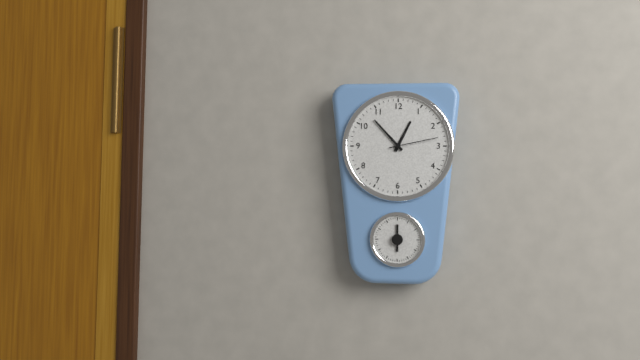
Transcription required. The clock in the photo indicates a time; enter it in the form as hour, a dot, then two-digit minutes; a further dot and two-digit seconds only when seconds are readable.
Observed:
12.53.13
